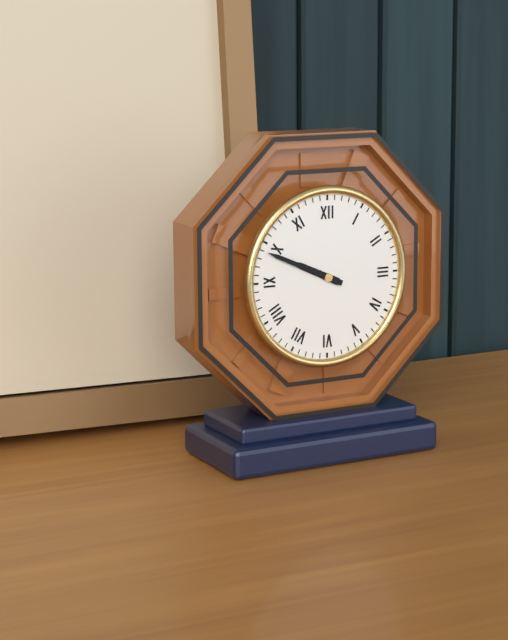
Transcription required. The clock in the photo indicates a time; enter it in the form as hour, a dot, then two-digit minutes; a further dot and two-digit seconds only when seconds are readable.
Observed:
9.49
